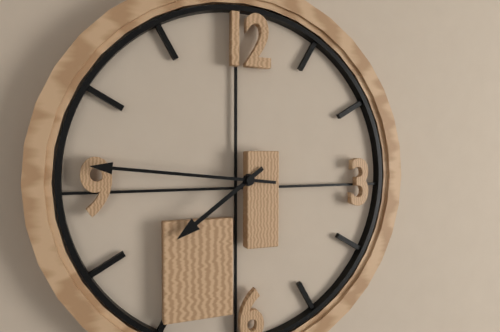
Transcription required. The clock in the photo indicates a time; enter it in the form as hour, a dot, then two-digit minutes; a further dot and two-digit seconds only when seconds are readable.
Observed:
7.46
